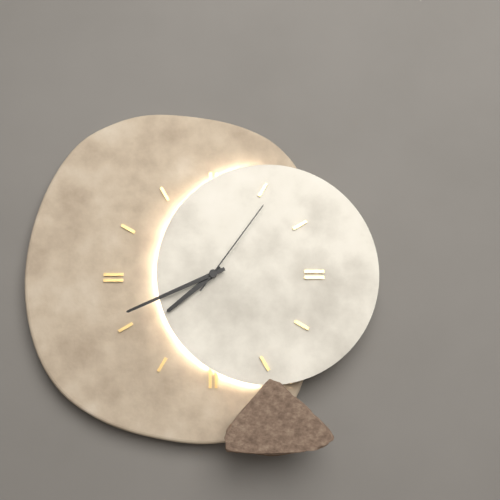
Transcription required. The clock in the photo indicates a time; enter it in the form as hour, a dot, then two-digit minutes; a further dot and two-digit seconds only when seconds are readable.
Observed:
7.41.06
